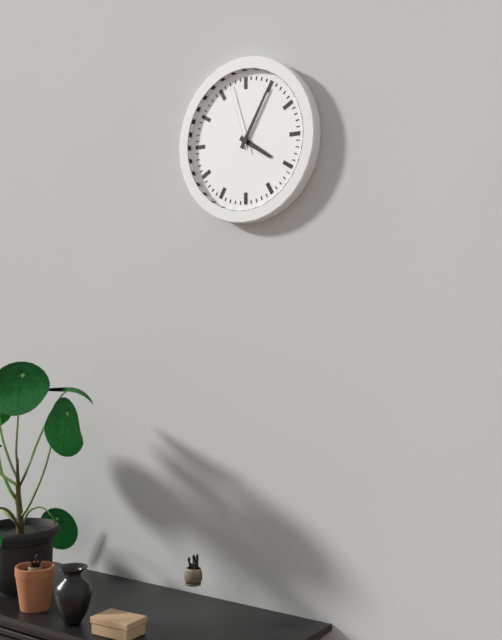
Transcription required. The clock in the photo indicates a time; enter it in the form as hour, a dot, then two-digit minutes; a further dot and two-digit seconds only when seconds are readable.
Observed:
4.05.57
